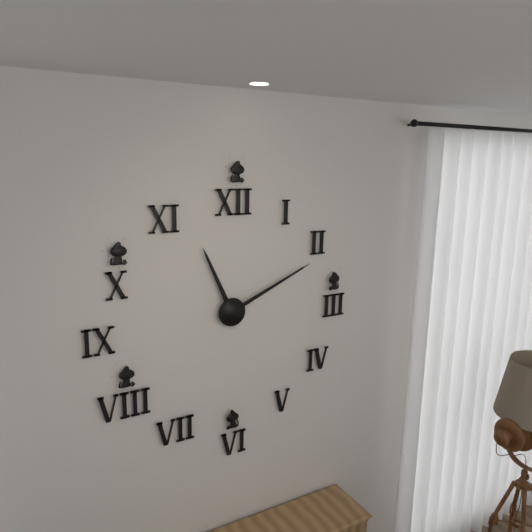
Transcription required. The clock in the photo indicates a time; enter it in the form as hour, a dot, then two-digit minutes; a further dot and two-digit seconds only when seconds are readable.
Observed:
11.11
